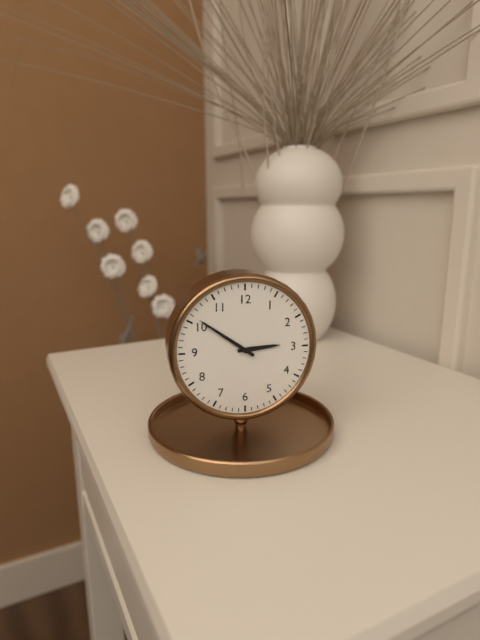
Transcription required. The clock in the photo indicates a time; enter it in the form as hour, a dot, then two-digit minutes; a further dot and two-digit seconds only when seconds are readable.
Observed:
2.51
